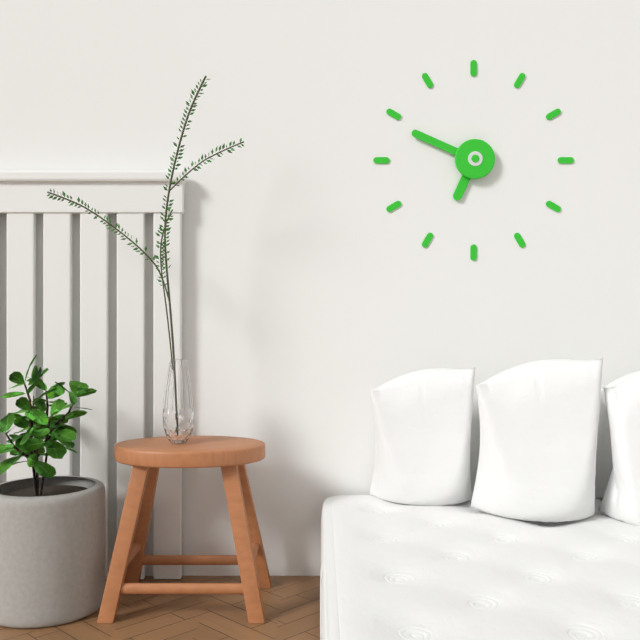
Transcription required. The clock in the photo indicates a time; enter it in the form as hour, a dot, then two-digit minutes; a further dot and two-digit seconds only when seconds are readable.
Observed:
6.49
